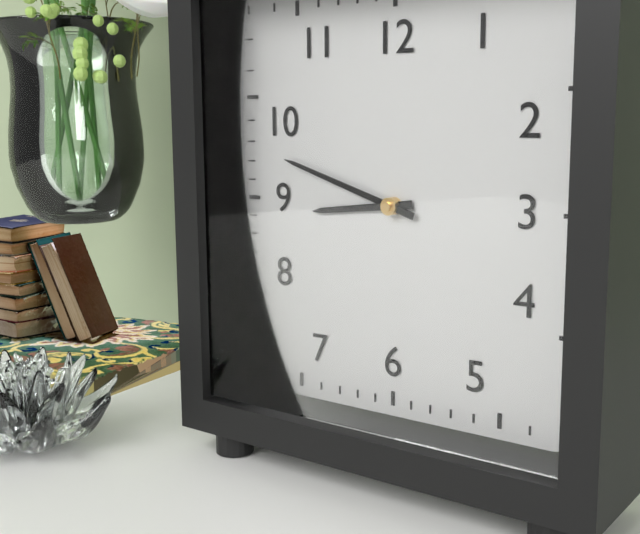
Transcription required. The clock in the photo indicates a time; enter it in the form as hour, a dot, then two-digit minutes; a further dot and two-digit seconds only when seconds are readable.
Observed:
8.48
